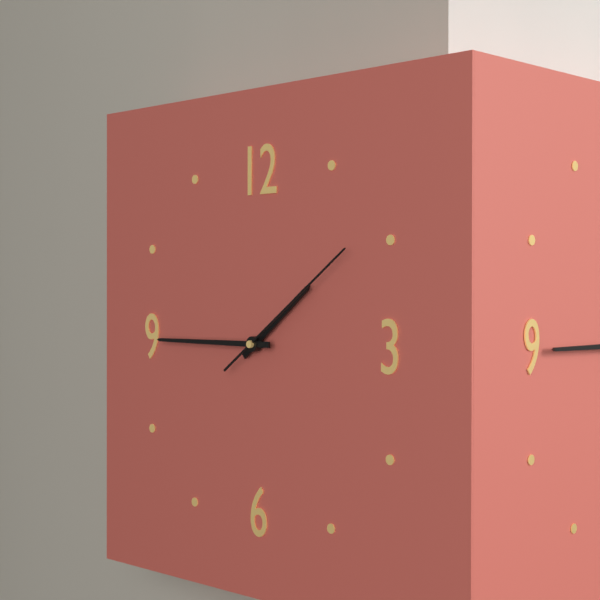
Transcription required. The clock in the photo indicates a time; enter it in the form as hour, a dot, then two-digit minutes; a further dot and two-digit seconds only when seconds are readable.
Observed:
1.45.09
